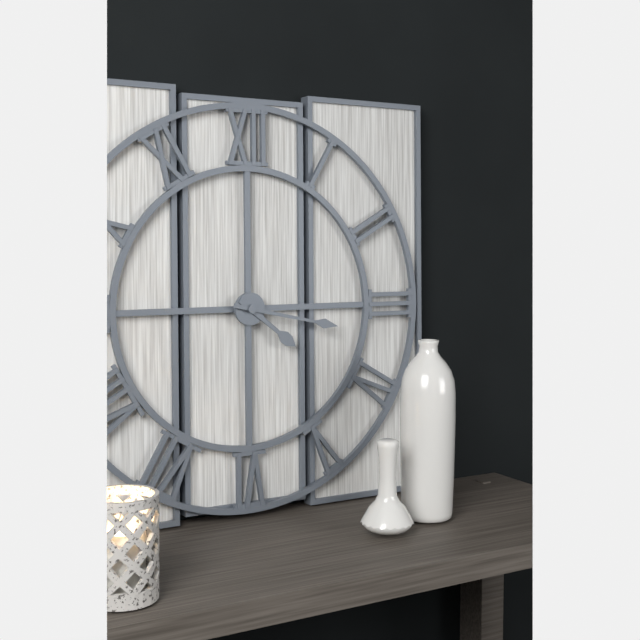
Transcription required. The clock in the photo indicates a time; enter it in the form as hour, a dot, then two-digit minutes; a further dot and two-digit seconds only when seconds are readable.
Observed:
4.17
